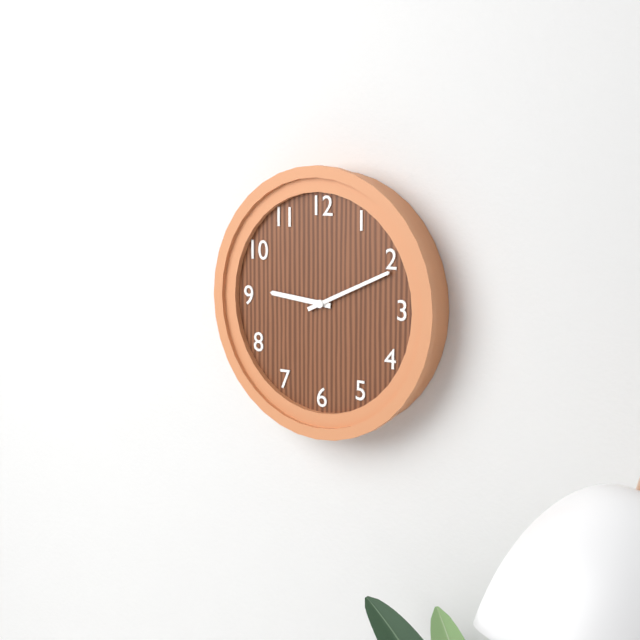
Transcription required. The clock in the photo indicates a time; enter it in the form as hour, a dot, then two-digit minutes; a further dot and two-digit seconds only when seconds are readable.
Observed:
9.11
